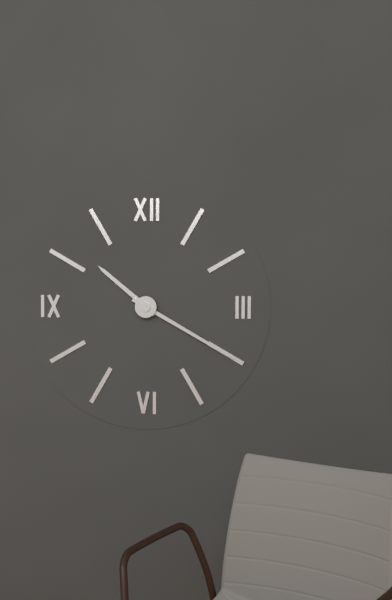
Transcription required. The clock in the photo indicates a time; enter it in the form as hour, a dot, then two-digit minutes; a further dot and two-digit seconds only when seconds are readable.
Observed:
10.20
